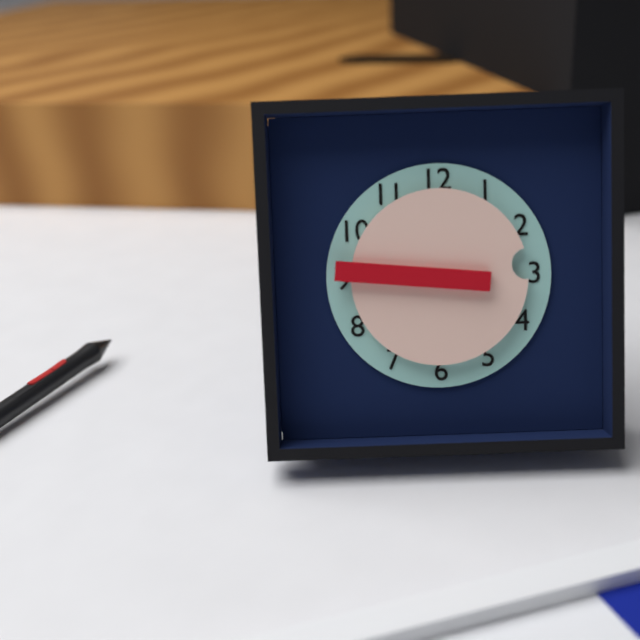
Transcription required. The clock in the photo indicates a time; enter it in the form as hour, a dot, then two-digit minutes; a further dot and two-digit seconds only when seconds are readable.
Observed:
2.46
